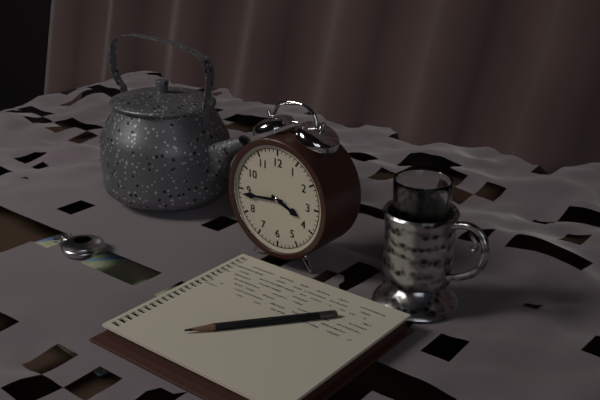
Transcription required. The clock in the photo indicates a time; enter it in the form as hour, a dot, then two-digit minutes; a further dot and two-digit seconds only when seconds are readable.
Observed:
3.44
